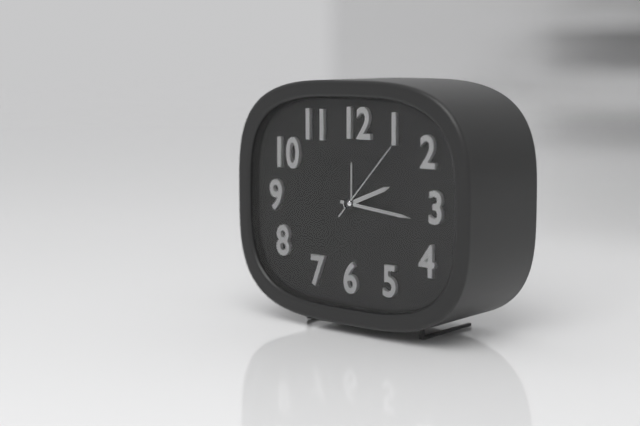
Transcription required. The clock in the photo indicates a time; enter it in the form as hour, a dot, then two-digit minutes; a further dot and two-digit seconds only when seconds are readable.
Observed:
2.16.07
